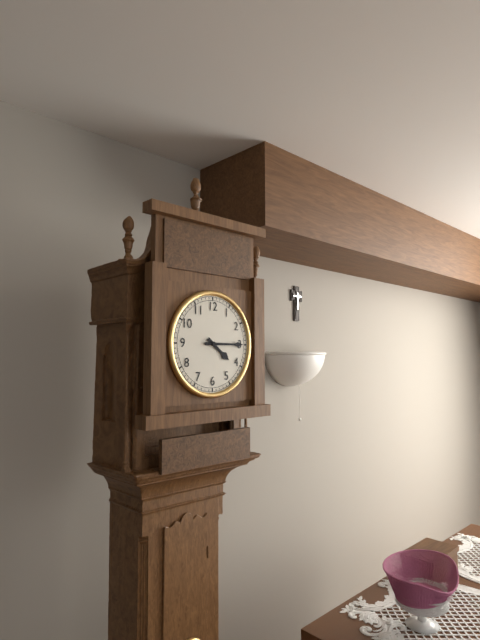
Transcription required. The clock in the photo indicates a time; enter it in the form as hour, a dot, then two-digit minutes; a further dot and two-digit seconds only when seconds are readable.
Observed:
4.15
